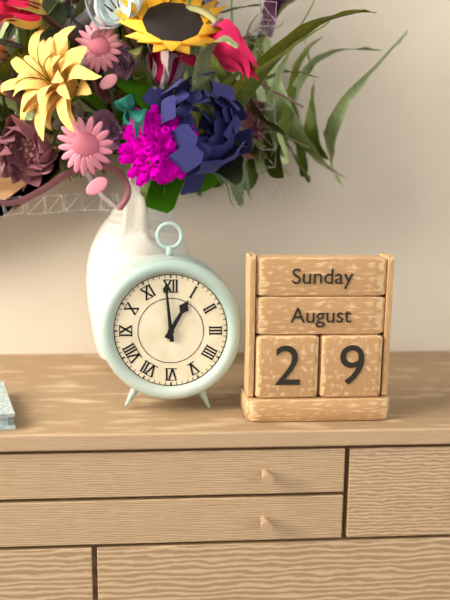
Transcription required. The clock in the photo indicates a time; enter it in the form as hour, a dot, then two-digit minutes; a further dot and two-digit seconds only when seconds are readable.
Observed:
12.59
